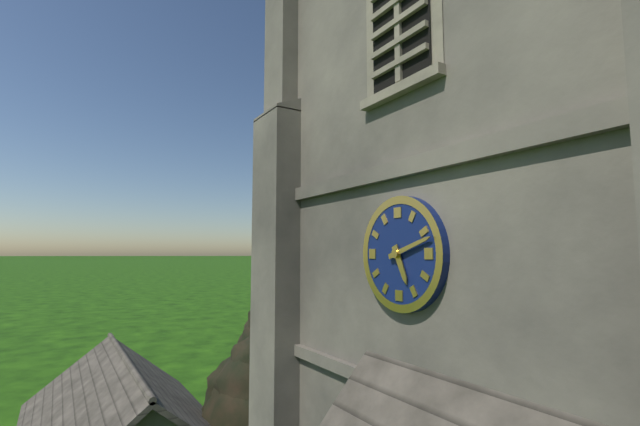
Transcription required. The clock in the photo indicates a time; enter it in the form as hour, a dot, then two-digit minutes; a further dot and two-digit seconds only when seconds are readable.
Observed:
5.12
